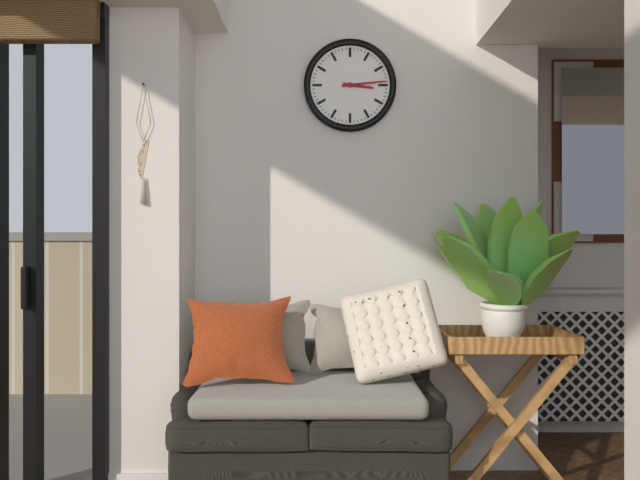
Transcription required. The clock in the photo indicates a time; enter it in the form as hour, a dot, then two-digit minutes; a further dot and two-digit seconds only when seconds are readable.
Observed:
3.14
